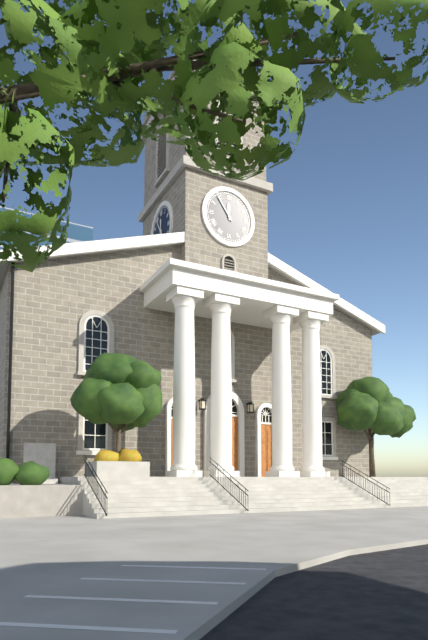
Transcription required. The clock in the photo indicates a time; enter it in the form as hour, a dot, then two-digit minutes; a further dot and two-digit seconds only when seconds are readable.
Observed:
11.54
